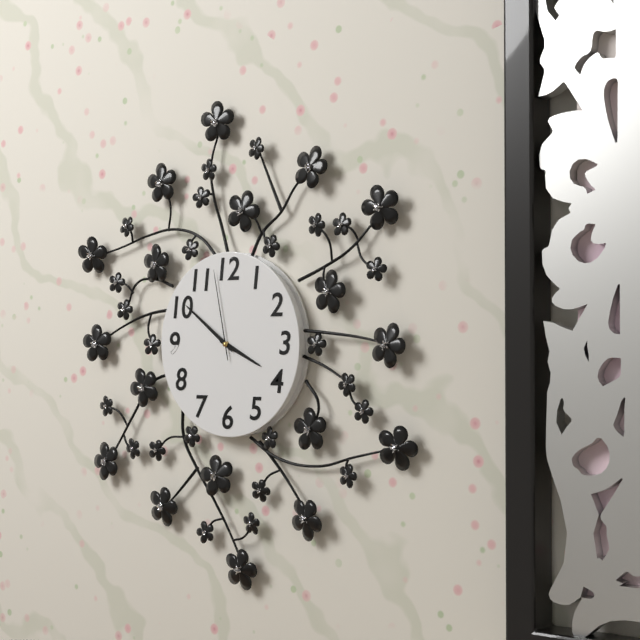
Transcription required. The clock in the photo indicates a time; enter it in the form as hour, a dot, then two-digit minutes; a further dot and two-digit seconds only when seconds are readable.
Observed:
3.51.58
